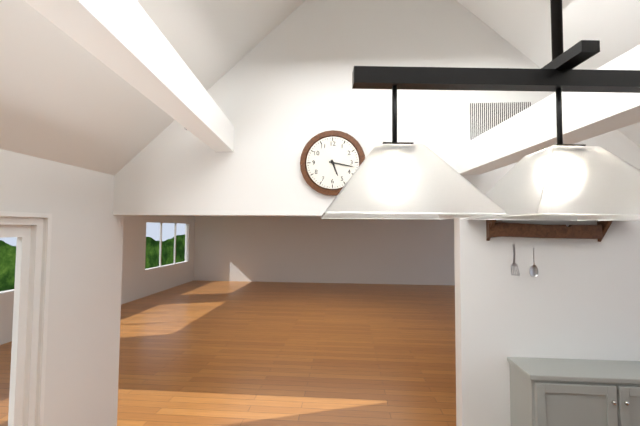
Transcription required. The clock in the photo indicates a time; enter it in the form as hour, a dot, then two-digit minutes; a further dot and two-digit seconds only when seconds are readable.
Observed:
5.17
